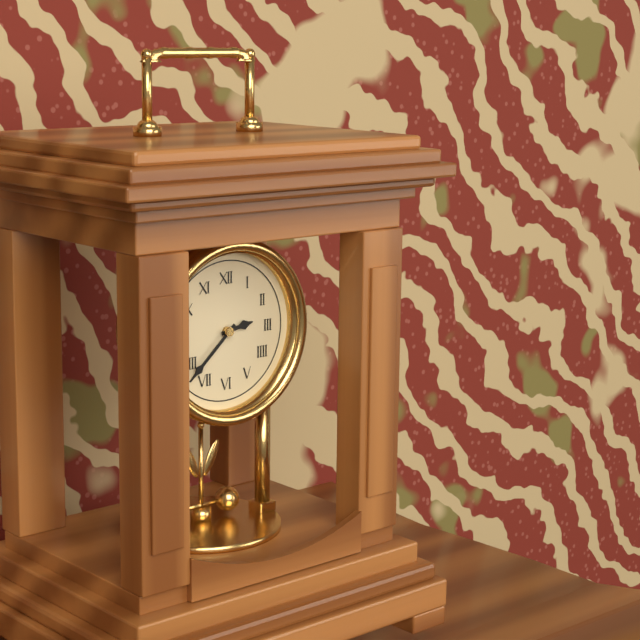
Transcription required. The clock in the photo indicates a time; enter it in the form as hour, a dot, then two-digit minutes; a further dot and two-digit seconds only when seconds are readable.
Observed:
2.38
